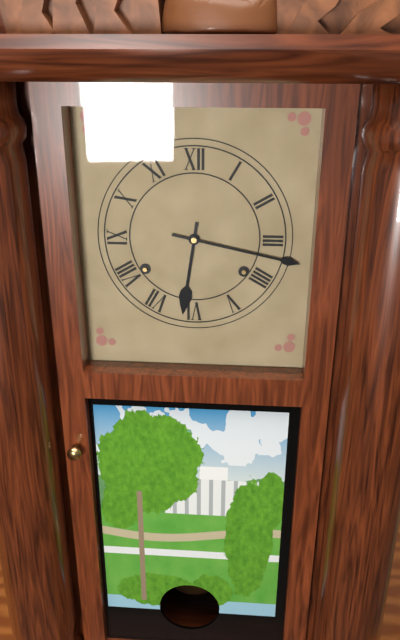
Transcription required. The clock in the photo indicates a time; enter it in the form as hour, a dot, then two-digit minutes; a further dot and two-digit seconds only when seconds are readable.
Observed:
6.17
